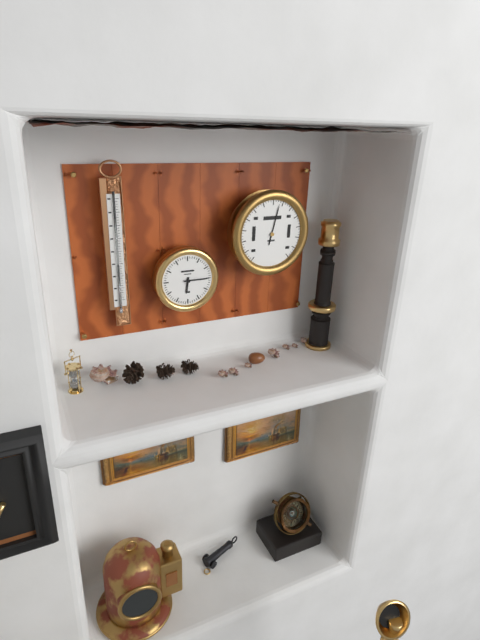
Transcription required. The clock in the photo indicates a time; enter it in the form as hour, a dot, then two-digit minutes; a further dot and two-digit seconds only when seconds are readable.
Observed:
6.15
